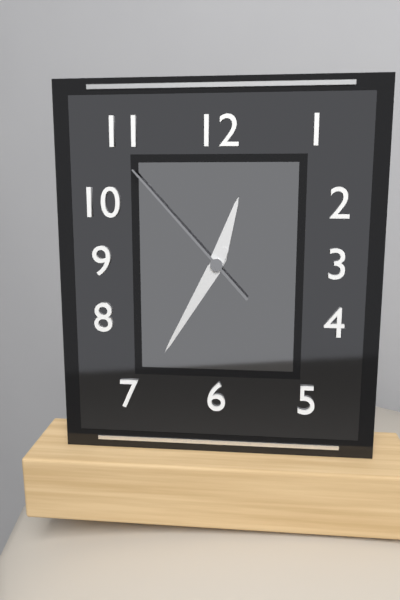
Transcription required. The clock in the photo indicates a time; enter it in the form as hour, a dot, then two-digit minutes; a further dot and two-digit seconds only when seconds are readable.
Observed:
12.35.53
